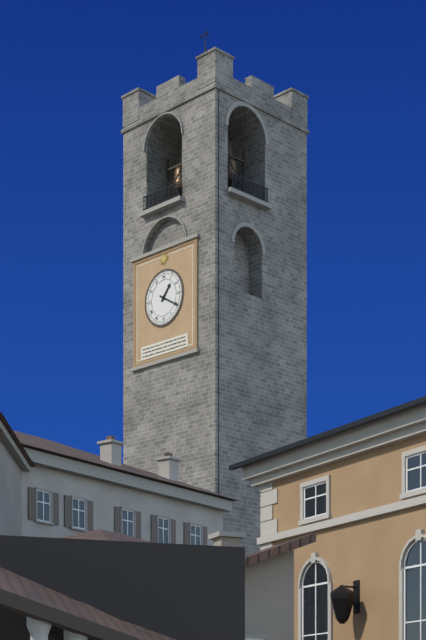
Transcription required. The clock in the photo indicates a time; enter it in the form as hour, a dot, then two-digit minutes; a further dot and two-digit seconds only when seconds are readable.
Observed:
1.20
